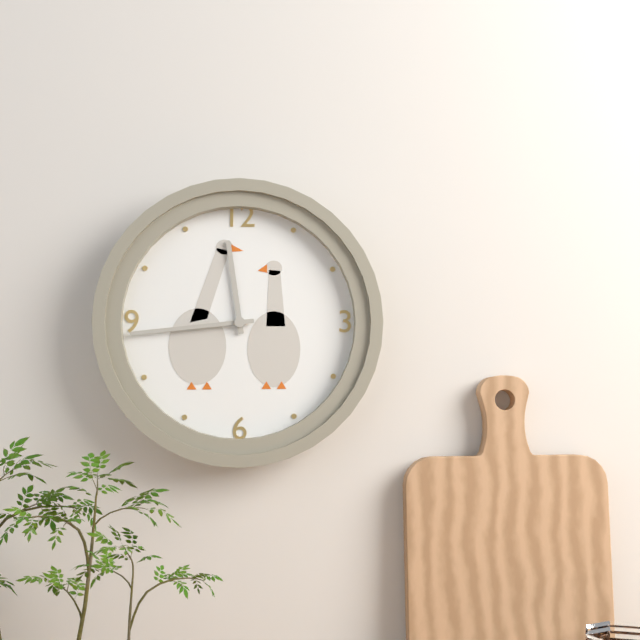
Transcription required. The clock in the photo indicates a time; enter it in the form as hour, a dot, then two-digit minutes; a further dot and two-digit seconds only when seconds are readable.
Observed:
11.44
